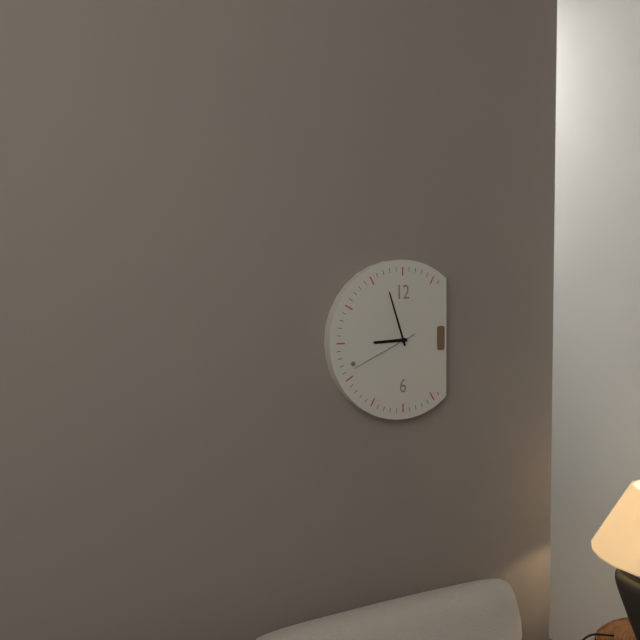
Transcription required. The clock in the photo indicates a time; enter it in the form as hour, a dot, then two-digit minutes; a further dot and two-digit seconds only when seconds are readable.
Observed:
8.57.41
